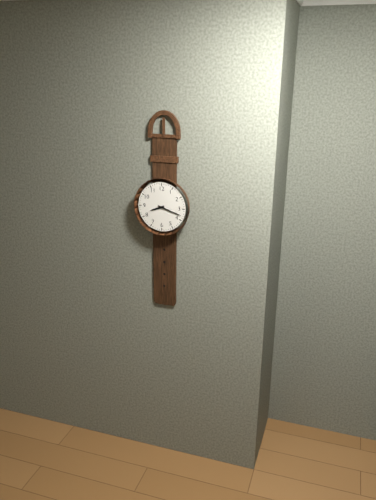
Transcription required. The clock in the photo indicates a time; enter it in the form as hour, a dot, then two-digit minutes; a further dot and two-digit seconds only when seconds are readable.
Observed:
8.18
